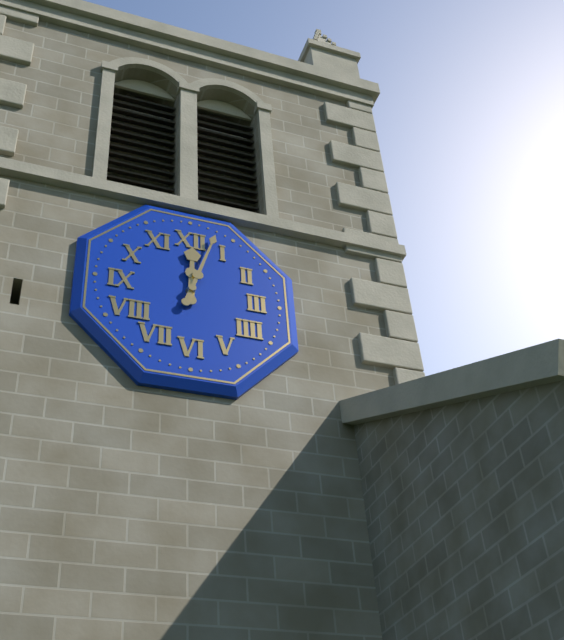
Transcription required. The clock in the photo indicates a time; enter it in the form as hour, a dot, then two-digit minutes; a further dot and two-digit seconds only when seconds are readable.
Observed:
12.03
